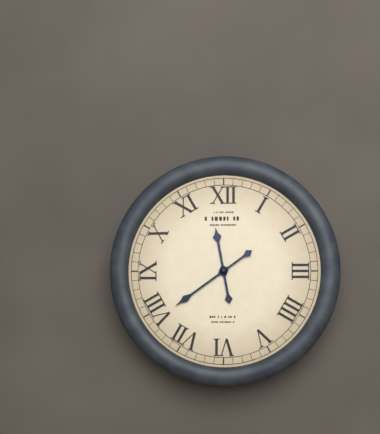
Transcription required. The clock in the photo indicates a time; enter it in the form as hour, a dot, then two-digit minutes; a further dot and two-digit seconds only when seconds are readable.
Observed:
11.39
